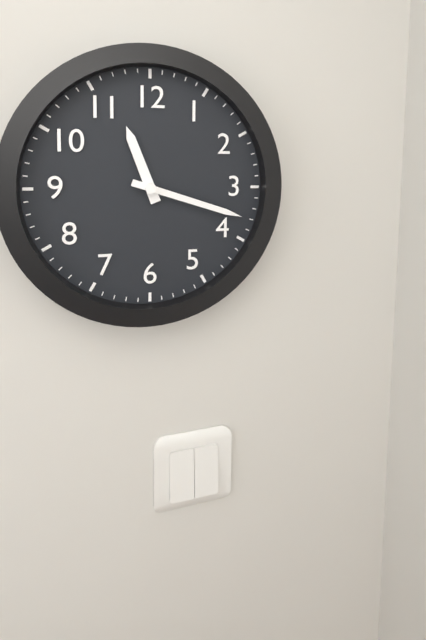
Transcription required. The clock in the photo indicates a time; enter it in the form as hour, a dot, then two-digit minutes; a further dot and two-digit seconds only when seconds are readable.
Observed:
11.18
